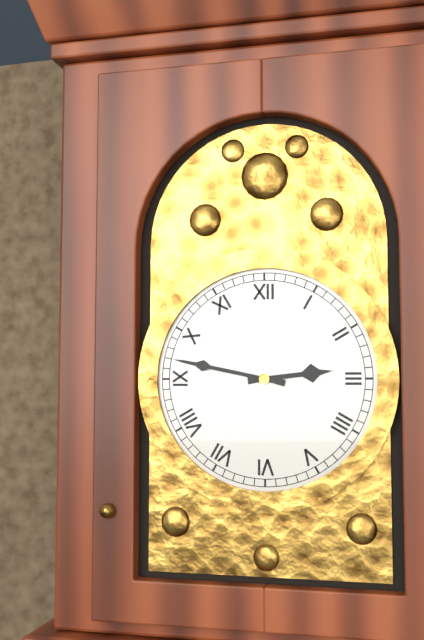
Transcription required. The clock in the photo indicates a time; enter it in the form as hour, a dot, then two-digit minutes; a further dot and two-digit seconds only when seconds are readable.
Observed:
2.47
